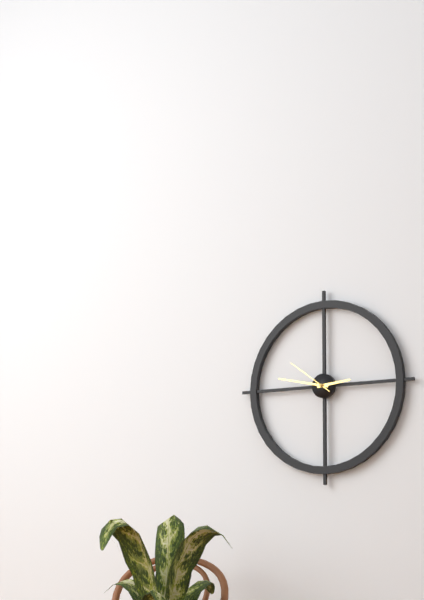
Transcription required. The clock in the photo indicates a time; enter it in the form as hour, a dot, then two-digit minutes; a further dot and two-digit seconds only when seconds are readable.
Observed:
2.47.51
